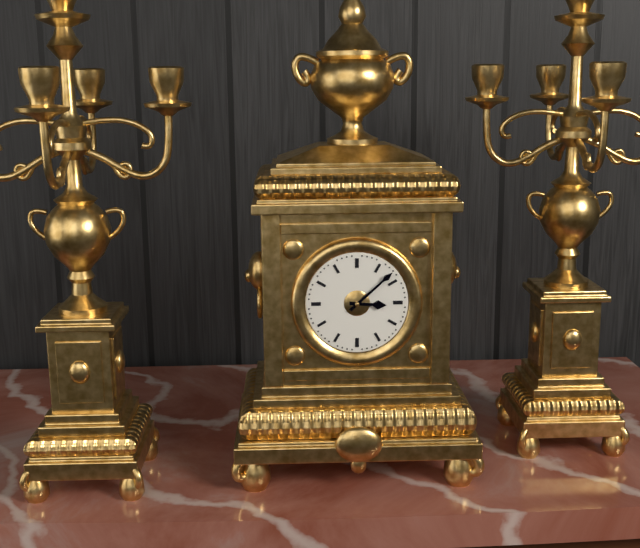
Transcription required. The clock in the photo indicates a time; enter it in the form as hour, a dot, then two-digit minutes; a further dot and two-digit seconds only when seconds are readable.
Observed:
3.08
